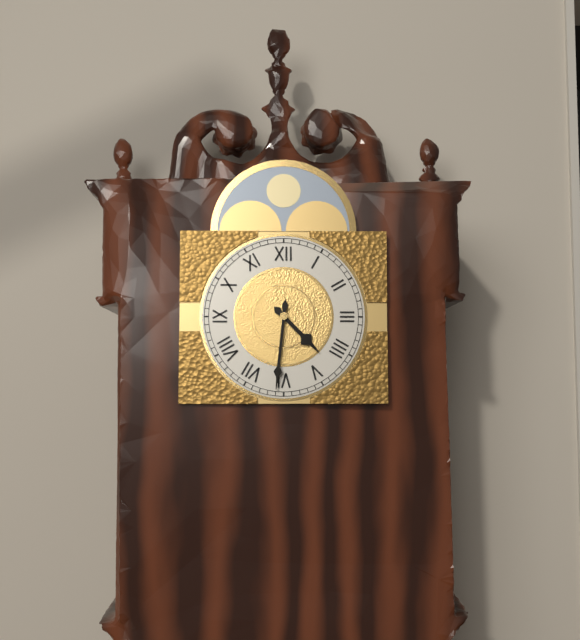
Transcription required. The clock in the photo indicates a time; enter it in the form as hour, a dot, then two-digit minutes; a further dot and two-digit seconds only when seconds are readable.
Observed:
4.31
